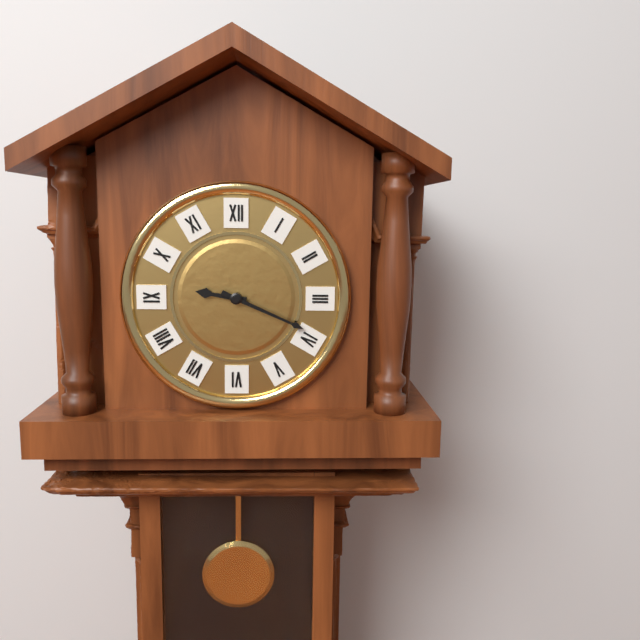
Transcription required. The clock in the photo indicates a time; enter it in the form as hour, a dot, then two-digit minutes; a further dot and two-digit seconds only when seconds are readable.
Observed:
9.19
